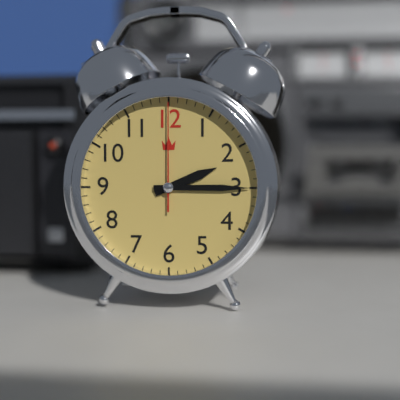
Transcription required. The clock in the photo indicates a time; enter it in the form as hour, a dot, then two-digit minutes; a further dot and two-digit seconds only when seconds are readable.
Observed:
2.15.00
